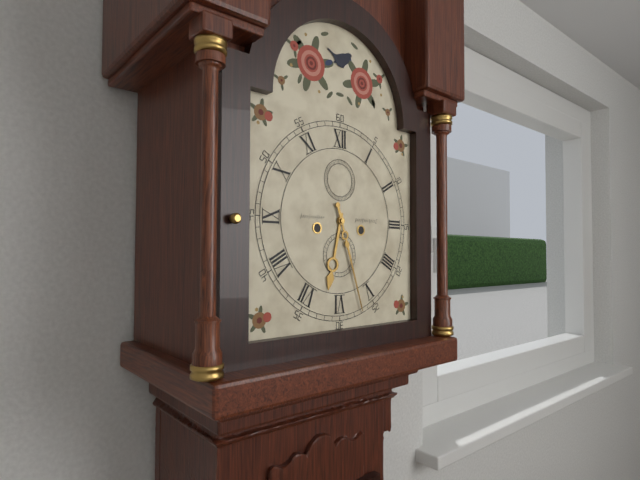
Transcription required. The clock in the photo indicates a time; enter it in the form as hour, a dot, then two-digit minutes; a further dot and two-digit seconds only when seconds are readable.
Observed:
6.27
